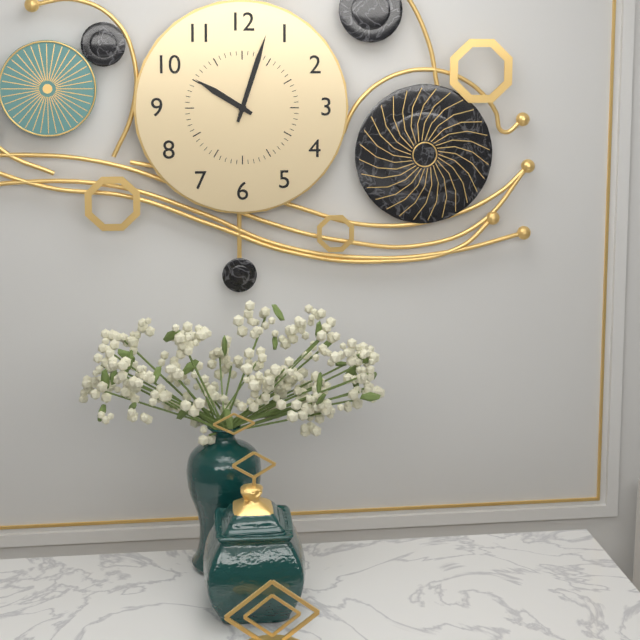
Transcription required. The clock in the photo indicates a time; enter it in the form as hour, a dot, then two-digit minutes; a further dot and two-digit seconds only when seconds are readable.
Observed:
10.03
